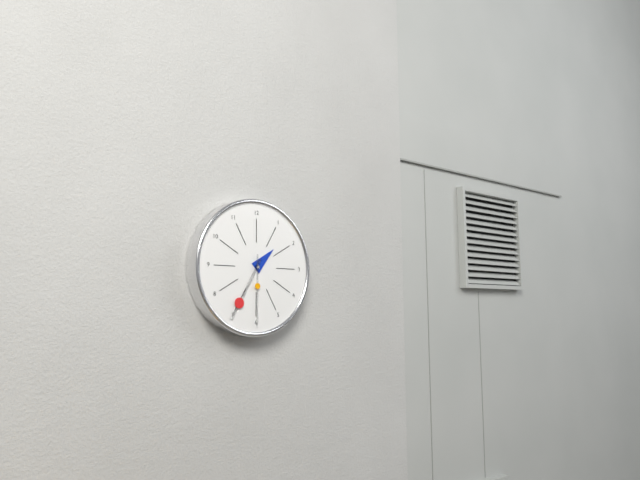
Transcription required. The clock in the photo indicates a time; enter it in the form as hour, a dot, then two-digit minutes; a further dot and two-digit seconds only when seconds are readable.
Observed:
1.35.30
